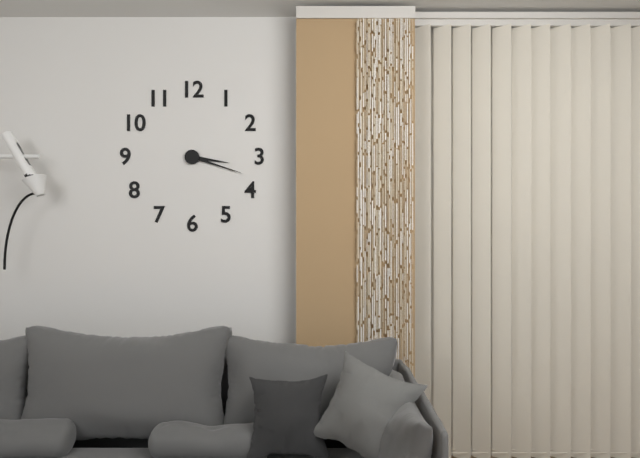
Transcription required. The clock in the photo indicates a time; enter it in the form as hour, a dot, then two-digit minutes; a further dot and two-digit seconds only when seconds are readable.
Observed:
3.18
